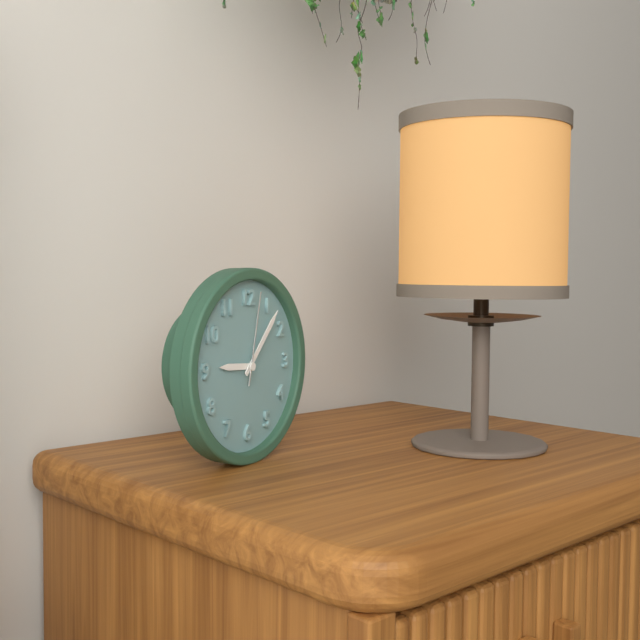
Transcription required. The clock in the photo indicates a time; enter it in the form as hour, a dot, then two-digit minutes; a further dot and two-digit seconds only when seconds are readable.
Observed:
9.07.02
